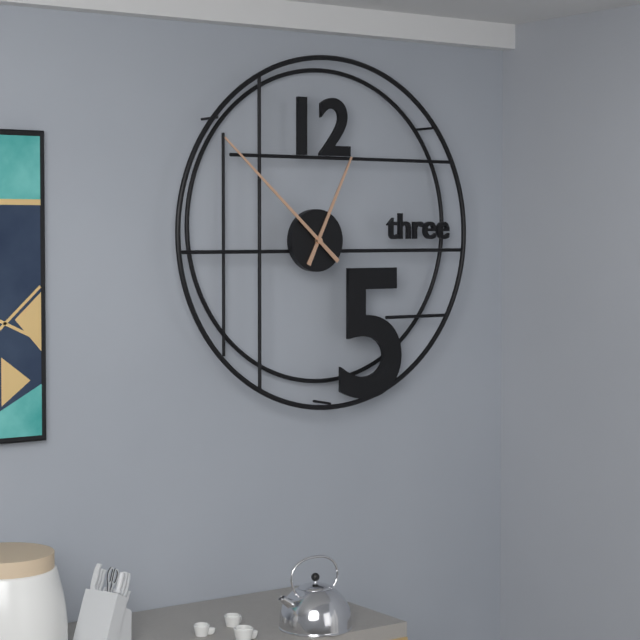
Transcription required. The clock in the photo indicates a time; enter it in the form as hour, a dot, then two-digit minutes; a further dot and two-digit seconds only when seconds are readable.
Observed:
12.52
